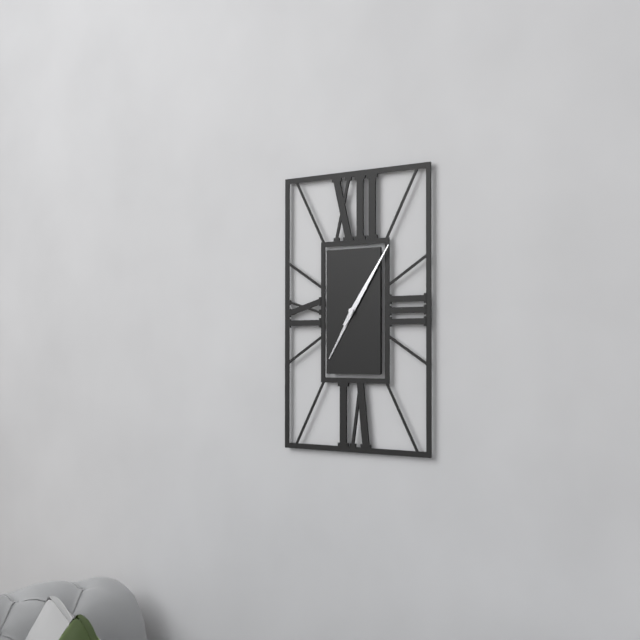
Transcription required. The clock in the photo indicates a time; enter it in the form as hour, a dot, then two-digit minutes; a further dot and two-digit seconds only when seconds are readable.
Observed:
7.06
